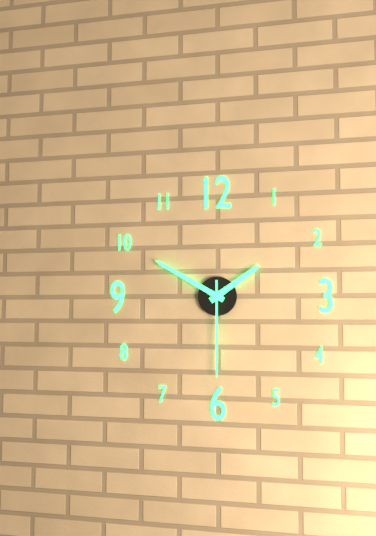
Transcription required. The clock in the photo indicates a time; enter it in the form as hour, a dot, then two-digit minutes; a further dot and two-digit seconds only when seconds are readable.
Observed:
1.50.30
